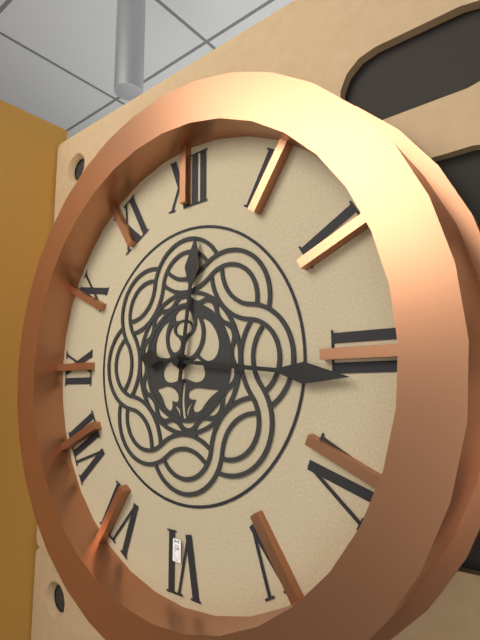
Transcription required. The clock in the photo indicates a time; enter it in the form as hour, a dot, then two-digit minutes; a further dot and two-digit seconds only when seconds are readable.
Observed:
12.16
